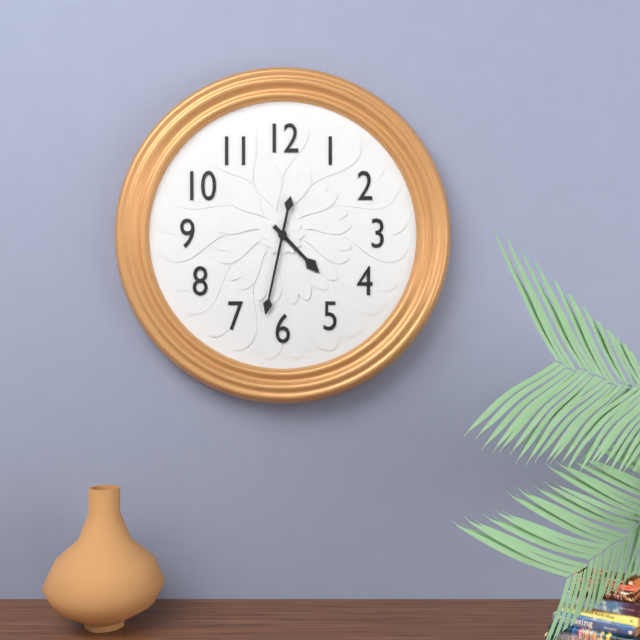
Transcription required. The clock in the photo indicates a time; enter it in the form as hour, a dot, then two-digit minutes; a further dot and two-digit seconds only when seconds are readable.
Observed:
4.32
